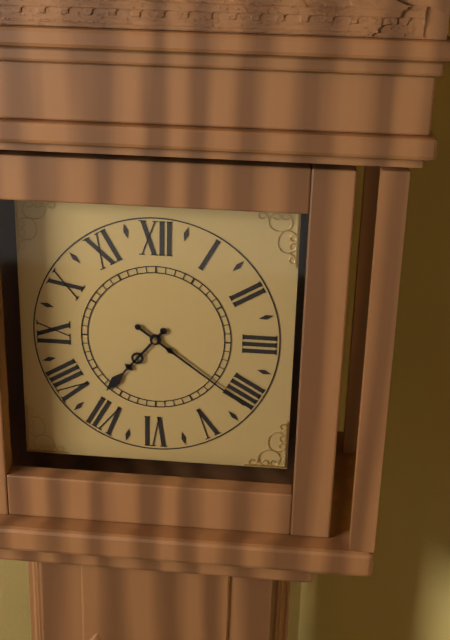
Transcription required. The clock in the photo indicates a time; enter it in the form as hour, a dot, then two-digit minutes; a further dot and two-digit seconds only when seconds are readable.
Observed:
7.21
